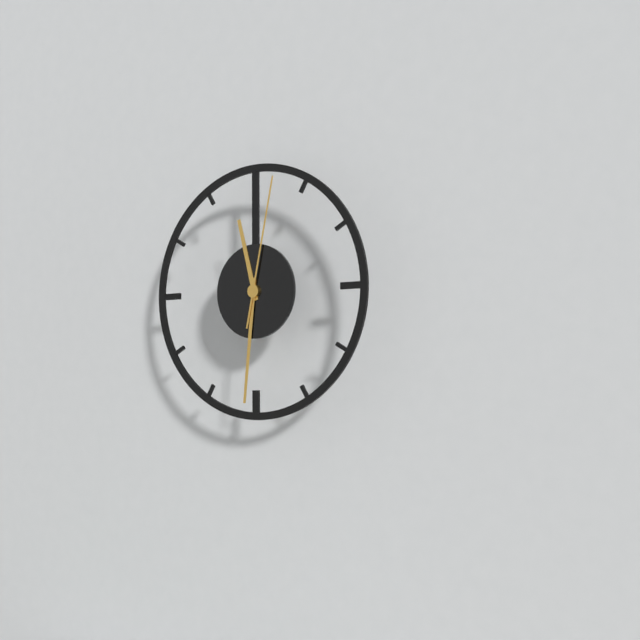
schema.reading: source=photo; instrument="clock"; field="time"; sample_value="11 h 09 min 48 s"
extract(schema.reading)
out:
11 h 31 min 02 s
